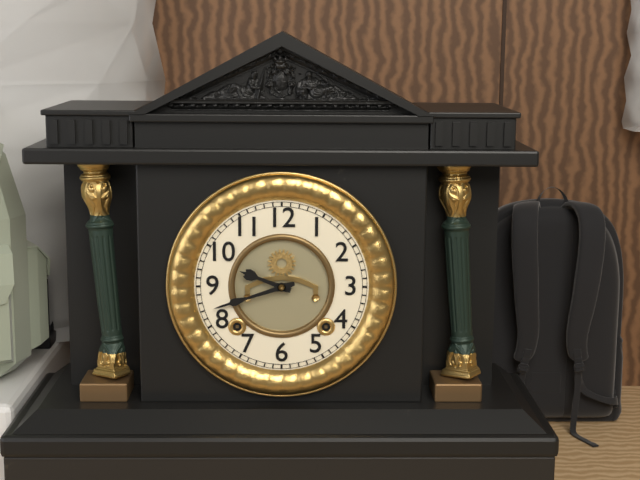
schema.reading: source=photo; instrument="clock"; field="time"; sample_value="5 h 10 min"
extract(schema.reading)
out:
9 h 42 min
